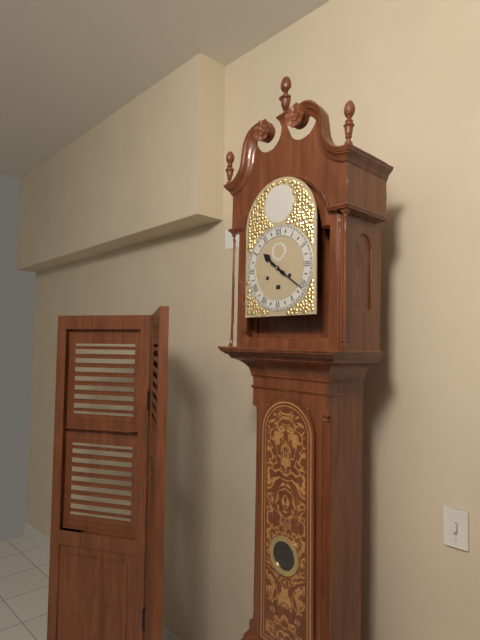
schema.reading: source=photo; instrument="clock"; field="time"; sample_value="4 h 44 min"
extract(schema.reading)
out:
10 h 21 min
